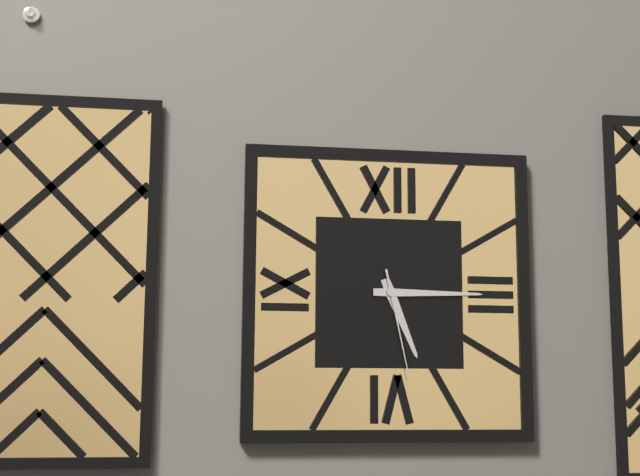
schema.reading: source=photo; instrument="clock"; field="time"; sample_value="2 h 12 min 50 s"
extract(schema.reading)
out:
5 h 15 min 28 s
